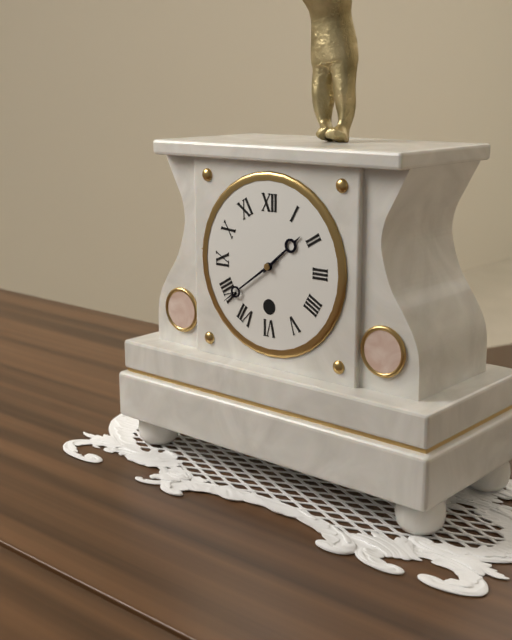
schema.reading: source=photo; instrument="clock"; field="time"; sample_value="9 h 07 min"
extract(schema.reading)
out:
1 h 39 min
